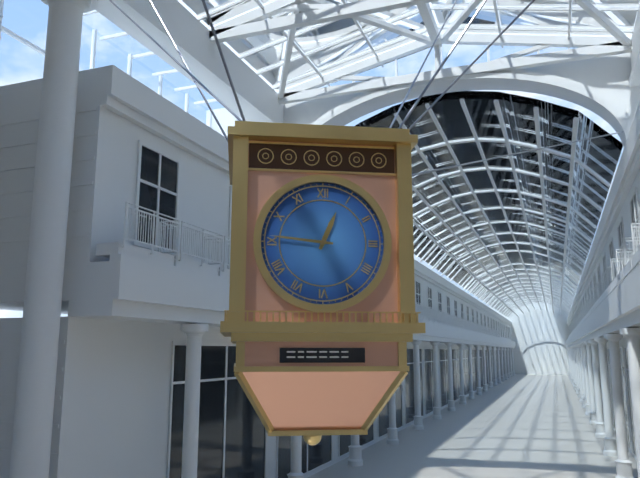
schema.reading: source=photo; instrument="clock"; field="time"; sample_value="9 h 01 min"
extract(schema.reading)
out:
12 h 46 min
